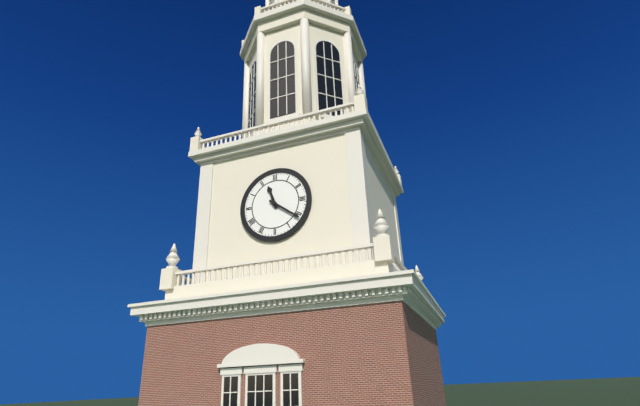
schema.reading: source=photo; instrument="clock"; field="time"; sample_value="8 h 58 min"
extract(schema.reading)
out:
11 h 21 min
